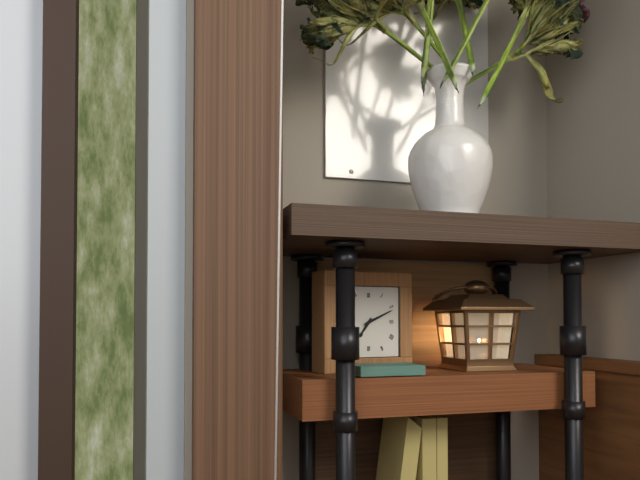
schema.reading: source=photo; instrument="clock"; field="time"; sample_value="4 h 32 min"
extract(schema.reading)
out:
7 h 11 min
